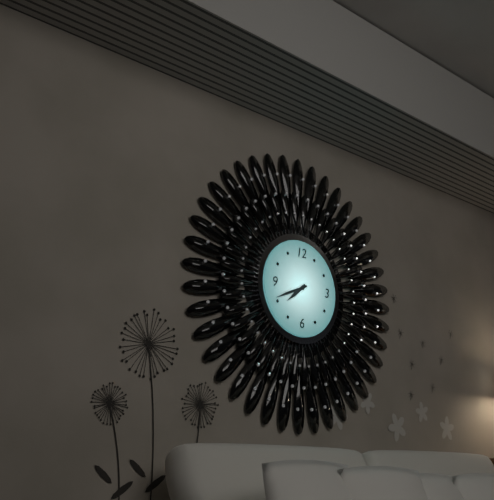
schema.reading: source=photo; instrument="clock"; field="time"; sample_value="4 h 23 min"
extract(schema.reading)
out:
7 h 41 min
